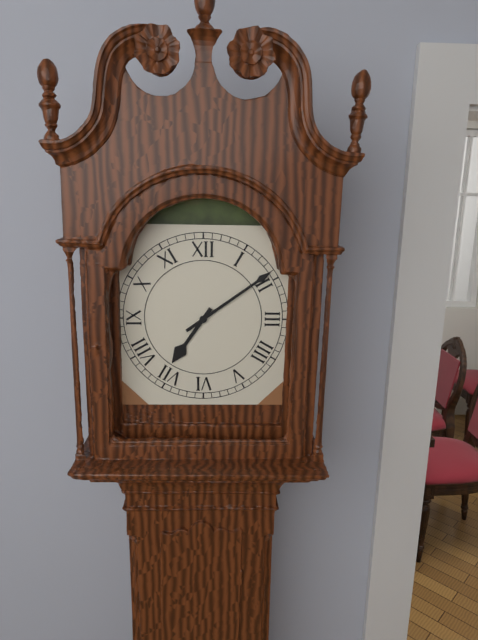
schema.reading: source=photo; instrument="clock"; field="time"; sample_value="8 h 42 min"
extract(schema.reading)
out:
7 h 09 min
